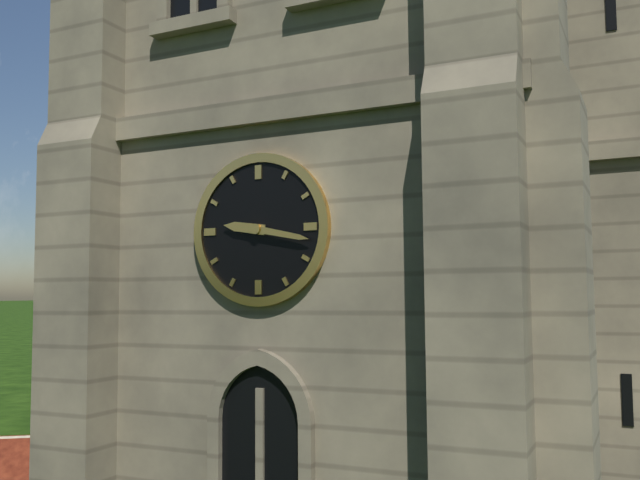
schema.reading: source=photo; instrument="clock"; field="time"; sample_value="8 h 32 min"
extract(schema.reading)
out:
9 h 17 min
